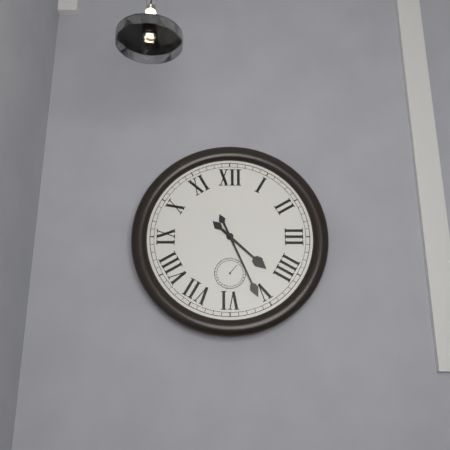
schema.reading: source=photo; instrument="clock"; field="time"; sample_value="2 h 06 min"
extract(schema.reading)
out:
4 h 26 min
